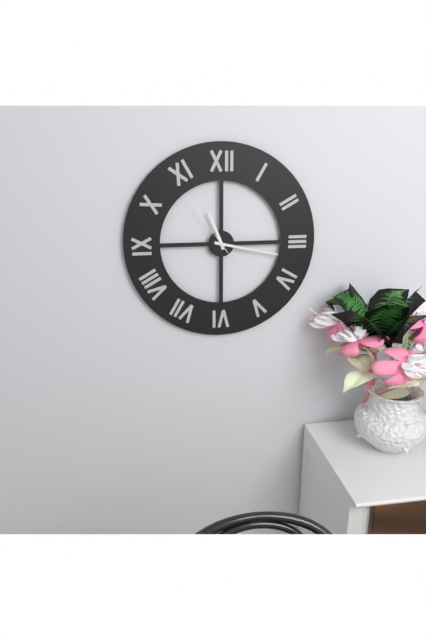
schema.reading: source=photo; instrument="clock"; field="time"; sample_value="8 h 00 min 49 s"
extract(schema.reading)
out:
11 h 17 min 54 s
